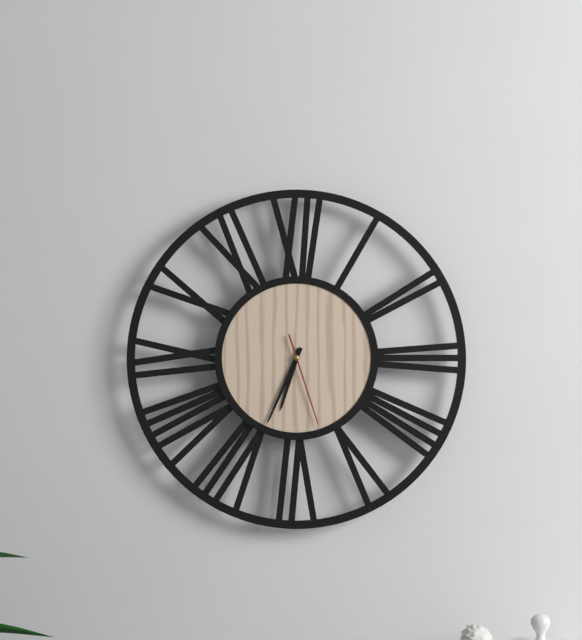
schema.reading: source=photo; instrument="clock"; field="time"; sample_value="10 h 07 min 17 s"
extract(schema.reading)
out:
6 h 34 min 27 s
